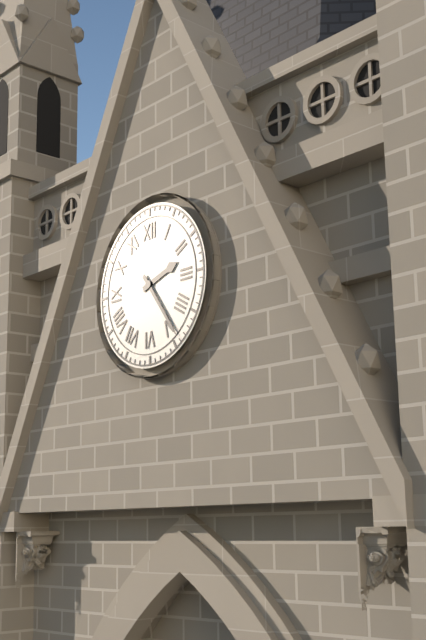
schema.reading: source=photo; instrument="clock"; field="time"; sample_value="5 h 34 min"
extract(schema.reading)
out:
2 h 24 min
